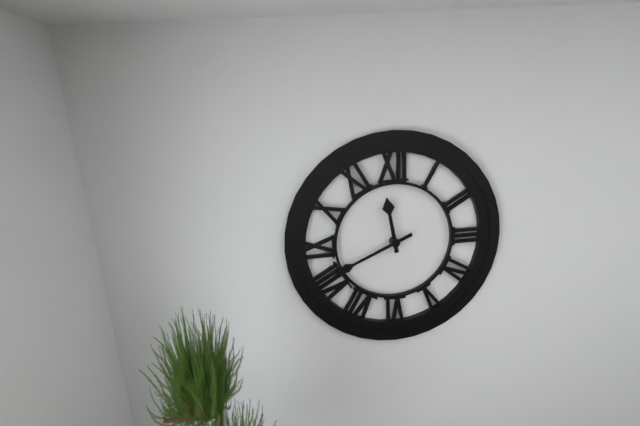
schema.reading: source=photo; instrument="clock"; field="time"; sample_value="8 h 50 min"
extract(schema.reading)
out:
11 h 41 min
